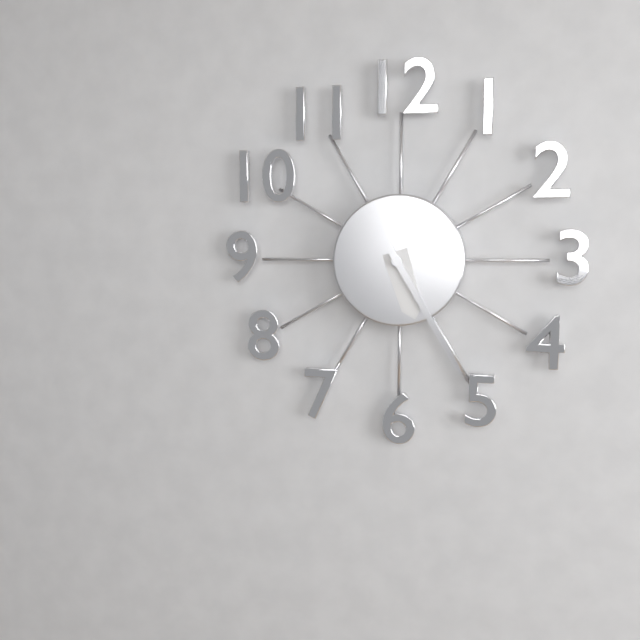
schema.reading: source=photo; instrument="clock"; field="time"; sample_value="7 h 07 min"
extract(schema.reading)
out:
5 h 25 min
